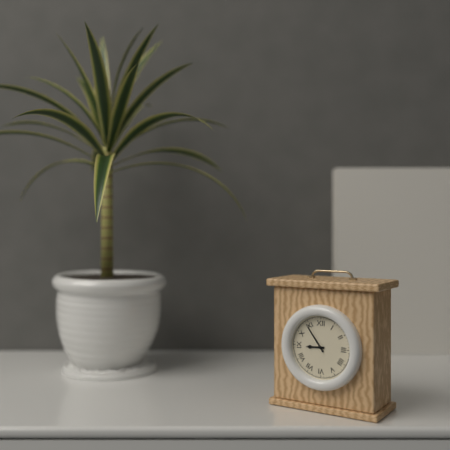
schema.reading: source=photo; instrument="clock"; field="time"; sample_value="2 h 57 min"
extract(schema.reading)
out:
8 h 54 min
